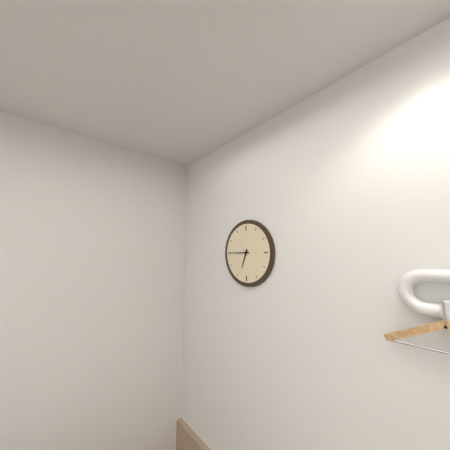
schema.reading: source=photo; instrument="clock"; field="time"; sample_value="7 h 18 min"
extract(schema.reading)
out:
6 h 45 min
